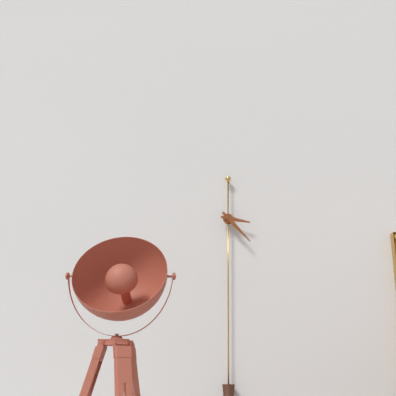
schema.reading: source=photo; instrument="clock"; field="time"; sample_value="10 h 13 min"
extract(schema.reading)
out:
3 h 23 min
